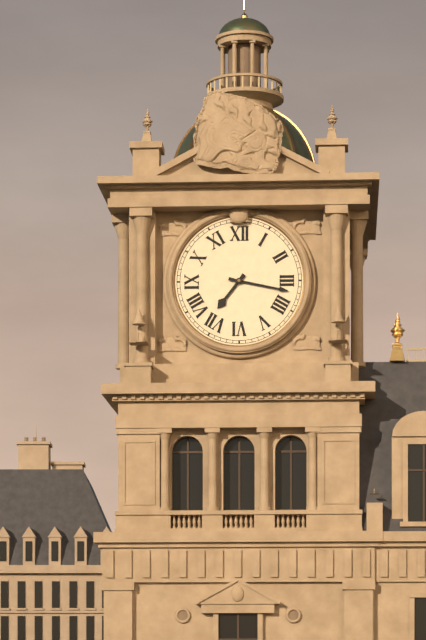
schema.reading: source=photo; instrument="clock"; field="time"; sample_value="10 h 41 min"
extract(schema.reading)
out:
7 h 17 min
